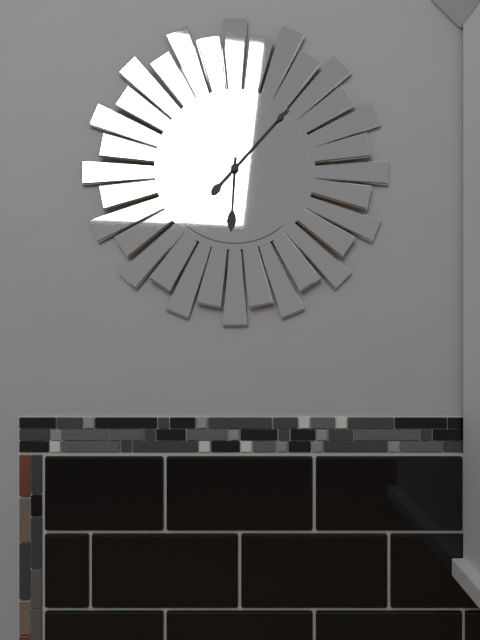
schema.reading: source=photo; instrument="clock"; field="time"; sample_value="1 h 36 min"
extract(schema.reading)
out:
6 h 07 min
